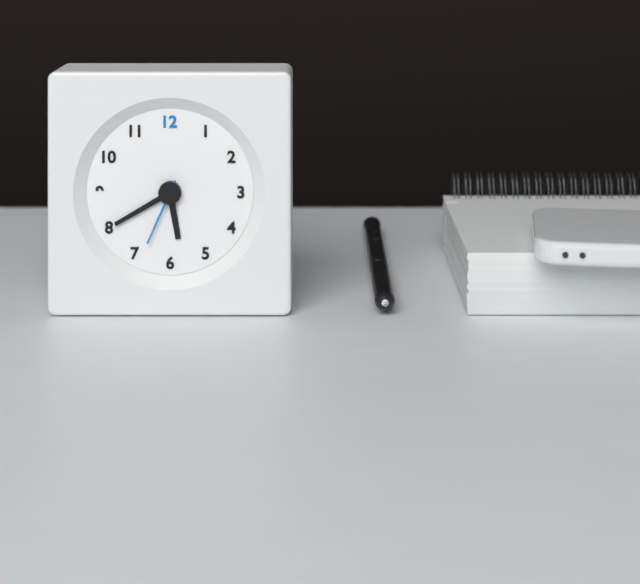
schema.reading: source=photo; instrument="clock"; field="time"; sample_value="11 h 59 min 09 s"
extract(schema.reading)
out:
5 h 40 min 34 s
